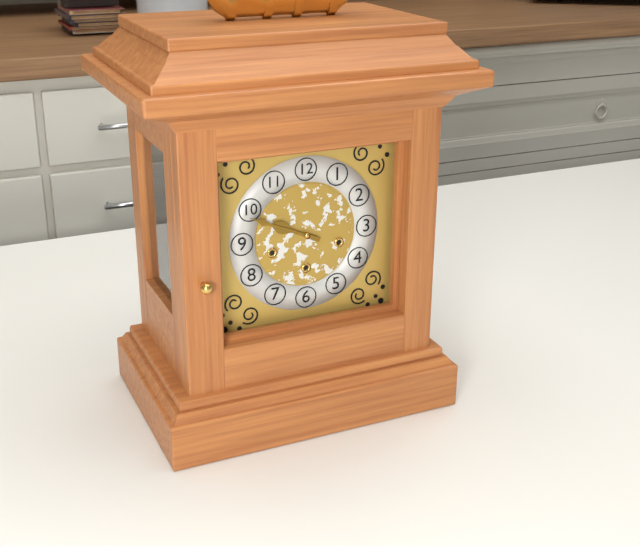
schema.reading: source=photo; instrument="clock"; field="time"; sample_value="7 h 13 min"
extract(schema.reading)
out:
9 h 49 min
